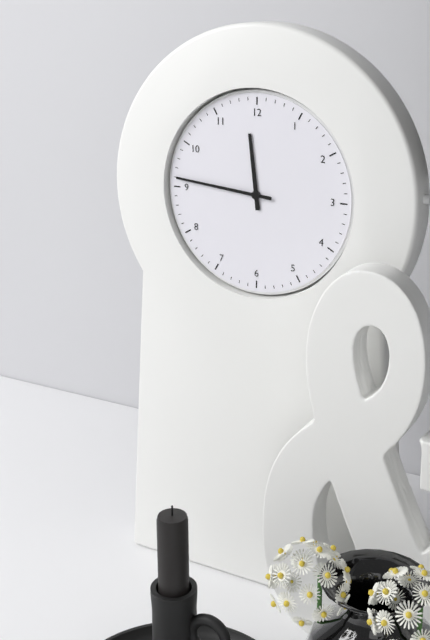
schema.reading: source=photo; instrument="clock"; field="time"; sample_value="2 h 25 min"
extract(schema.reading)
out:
11 h 46 min
